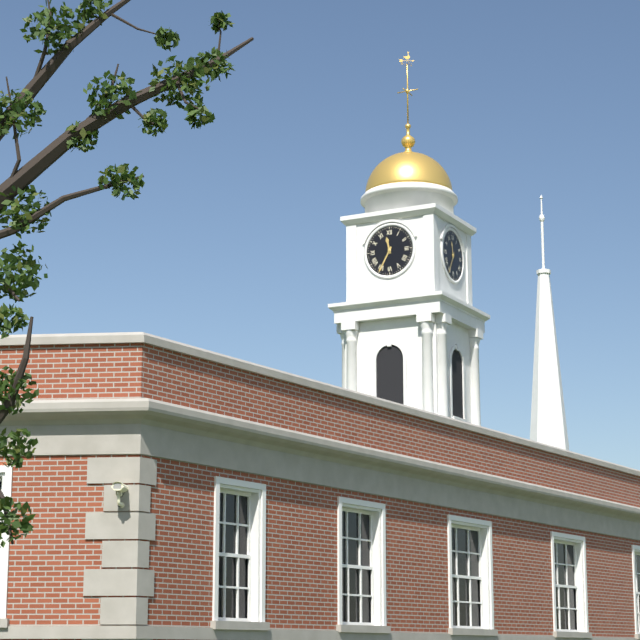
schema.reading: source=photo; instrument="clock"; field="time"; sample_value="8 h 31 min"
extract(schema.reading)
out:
11 h 35 min
